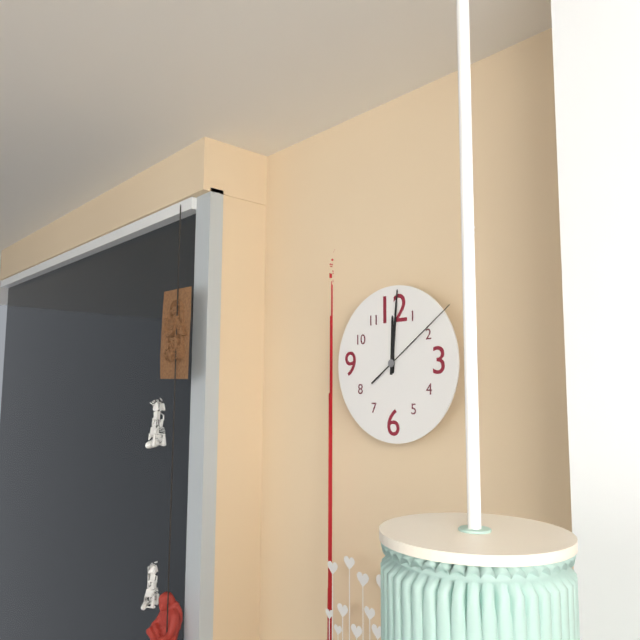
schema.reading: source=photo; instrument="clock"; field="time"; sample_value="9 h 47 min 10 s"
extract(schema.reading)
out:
12 h 01 min 09 s
